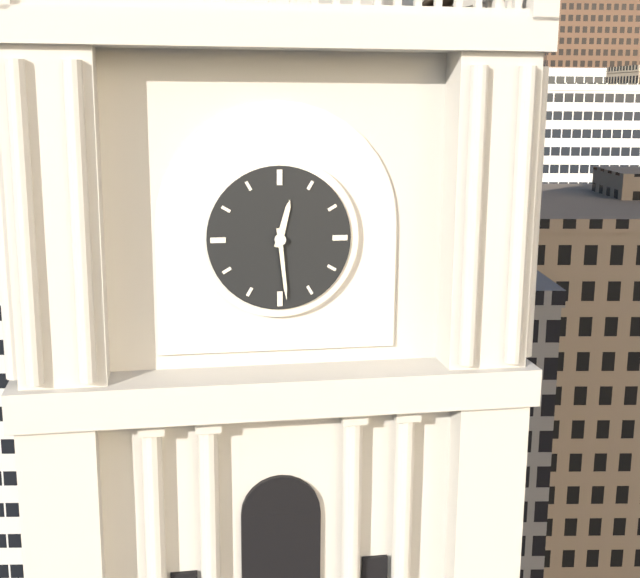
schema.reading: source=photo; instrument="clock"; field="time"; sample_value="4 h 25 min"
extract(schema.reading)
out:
12 h 29 min
